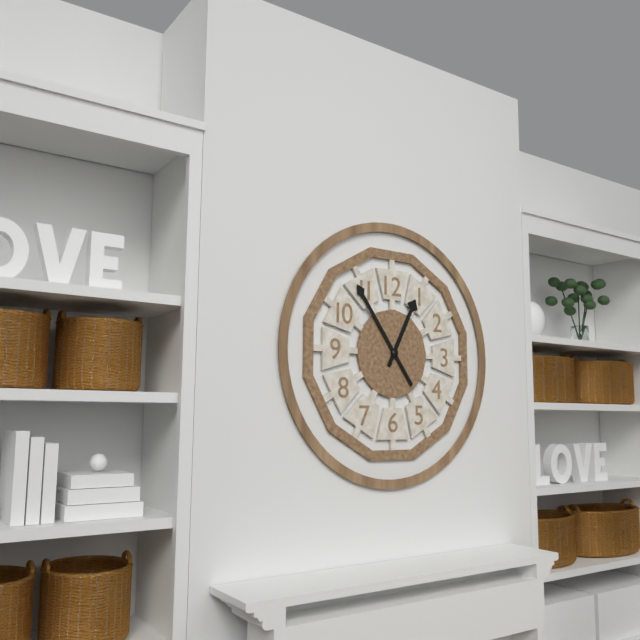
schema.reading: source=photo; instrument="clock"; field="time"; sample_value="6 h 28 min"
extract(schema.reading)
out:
12 h 54 min
